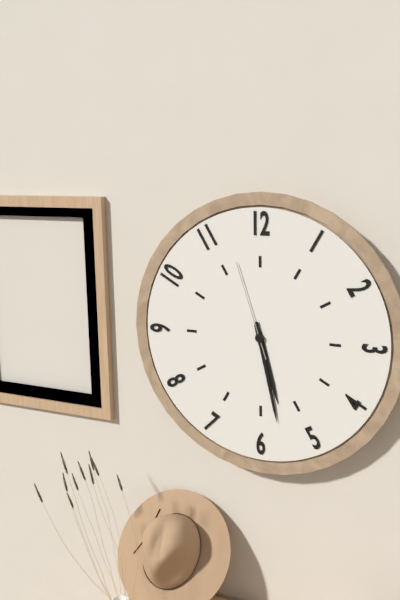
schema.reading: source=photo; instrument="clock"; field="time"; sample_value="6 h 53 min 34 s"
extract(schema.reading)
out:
5 h 28 min 57 s
